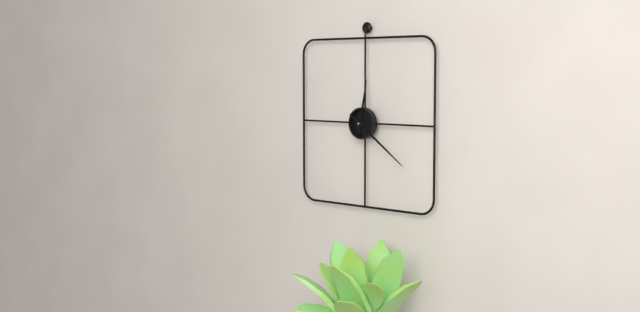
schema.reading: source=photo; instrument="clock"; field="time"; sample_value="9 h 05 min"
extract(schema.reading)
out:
12 h 21 min
